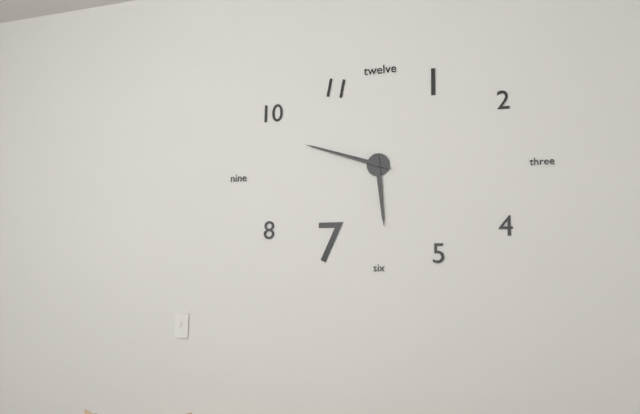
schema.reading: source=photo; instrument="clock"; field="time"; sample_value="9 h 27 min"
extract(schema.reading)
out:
5 h 48 min
